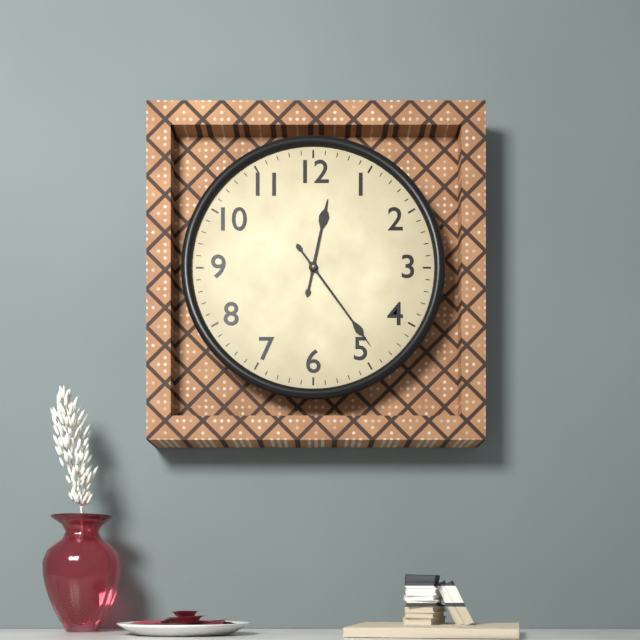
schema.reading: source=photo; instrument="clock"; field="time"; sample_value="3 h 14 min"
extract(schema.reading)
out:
12 h 24 min
